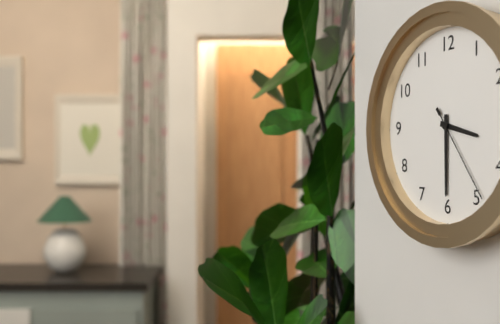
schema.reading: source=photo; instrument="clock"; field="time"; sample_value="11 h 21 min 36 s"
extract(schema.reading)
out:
3 h 30 min 24 s
